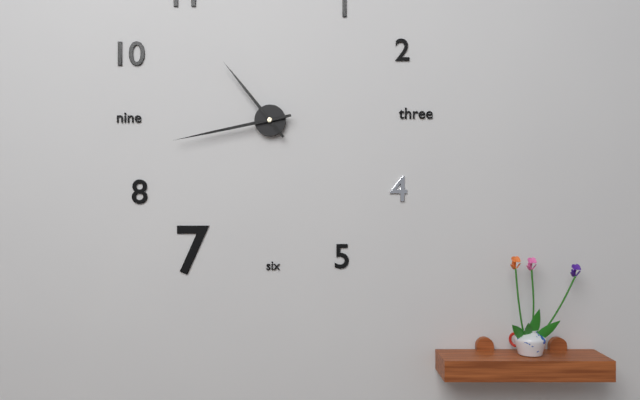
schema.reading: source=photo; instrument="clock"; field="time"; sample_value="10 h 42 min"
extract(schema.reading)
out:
10 h 43 min
